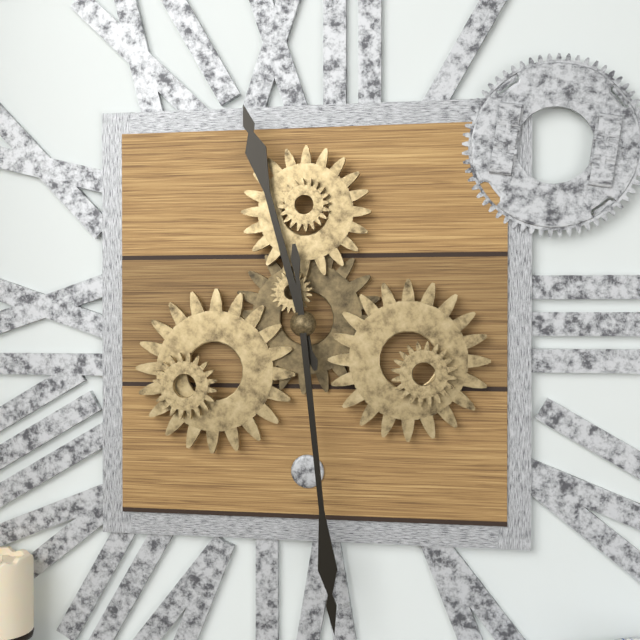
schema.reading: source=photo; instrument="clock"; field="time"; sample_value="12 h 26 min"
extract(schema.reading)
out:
11 h 29 min
